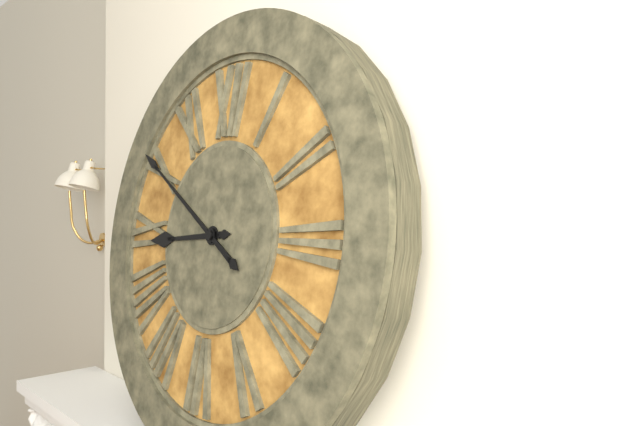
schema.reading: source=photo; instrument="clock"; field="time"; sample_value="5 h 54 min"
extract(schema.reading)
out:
8 h 50 min
